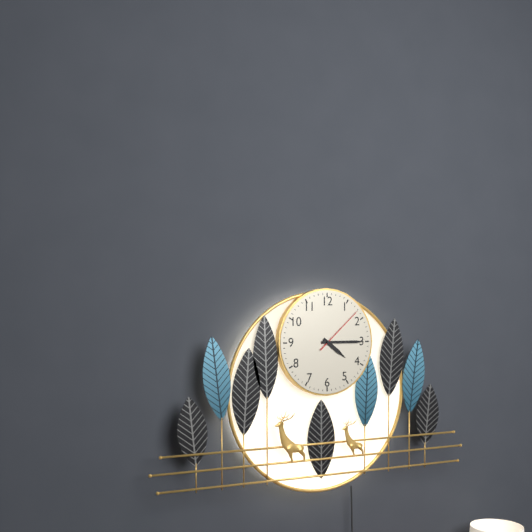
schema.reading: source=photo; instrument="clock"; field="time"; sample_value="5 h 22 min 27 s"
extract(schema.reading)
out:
4 h 15 min 08 s
